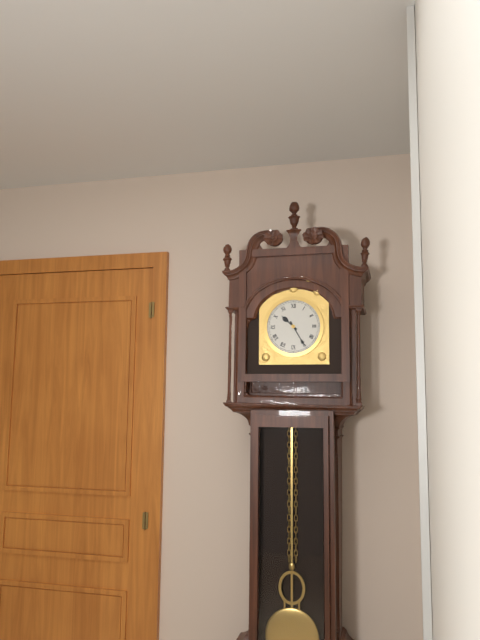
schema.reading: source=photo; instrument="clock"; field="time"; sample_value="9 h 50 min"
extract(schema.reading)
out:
10 h 25 min
